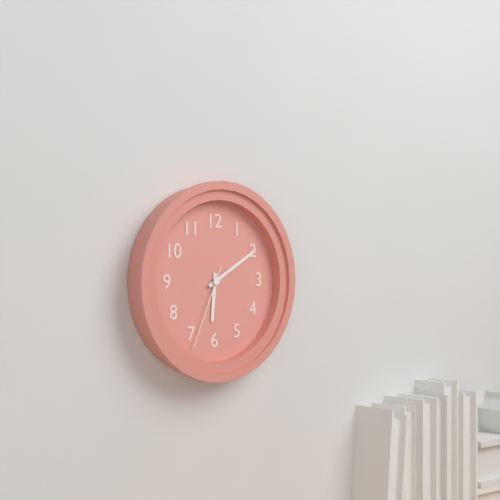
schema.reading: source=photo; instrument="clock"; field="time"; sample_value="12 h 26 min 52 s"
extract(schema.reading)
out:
6 h 10 min 34 s
